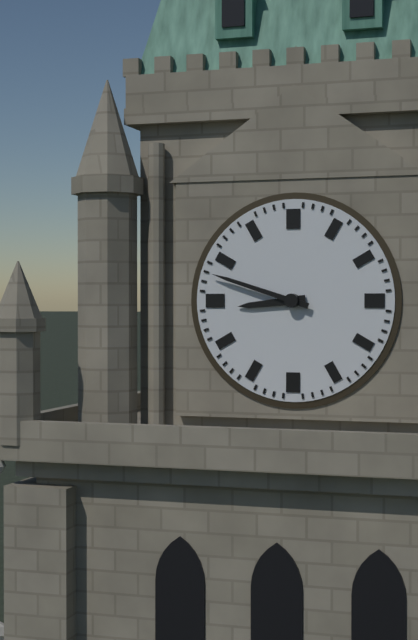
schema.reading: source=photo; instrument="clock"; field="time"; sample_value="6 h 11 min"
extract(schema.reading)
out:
8 h 48 min
